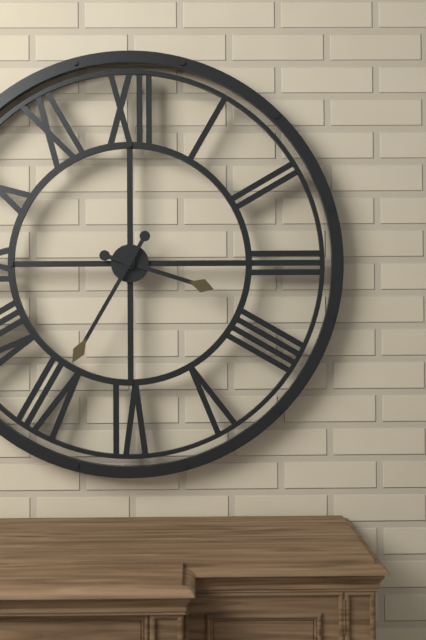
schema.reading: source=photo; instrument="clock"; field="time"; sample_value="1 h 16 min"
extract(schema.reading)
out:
3 h 35 min
